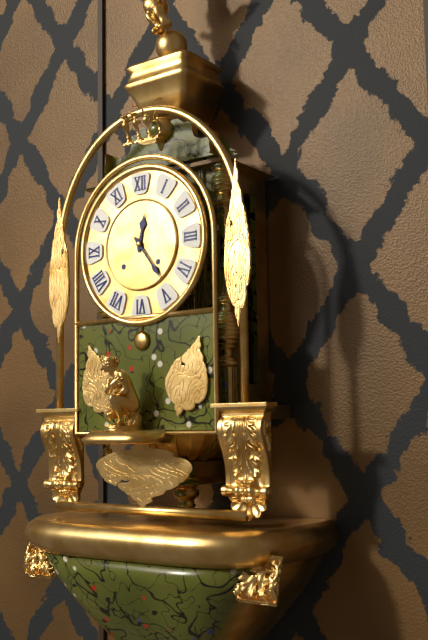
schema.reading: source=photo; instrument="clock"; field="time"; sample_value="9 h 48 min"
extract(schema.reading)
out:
12 h 24 min
